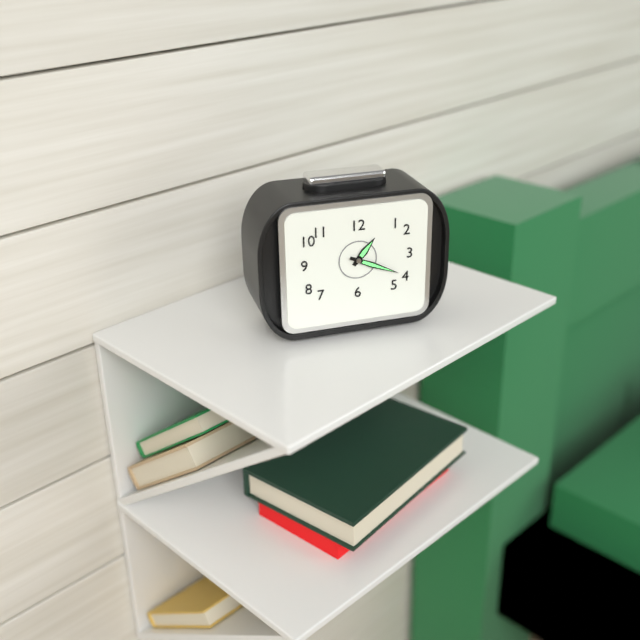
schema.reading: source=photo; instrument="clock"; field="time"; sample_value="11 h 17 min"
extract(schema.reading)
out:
1 h 19 min
